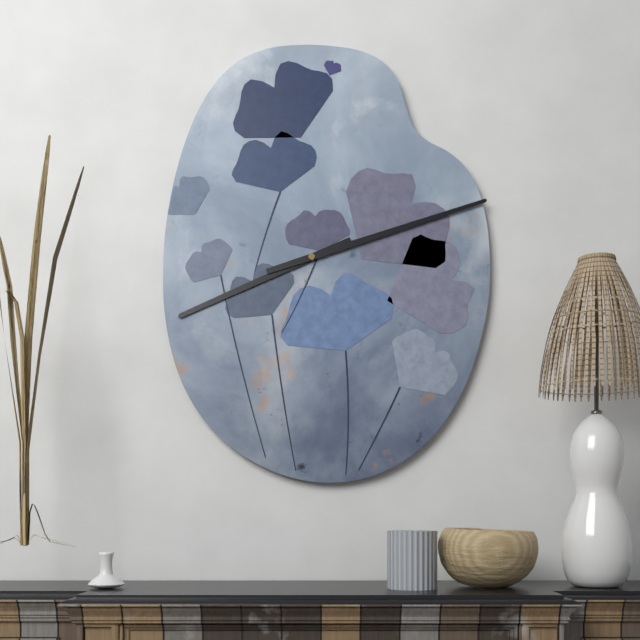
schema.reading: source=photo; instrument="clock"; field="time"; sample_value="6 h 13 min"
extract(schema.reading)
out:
8 h 12 min
